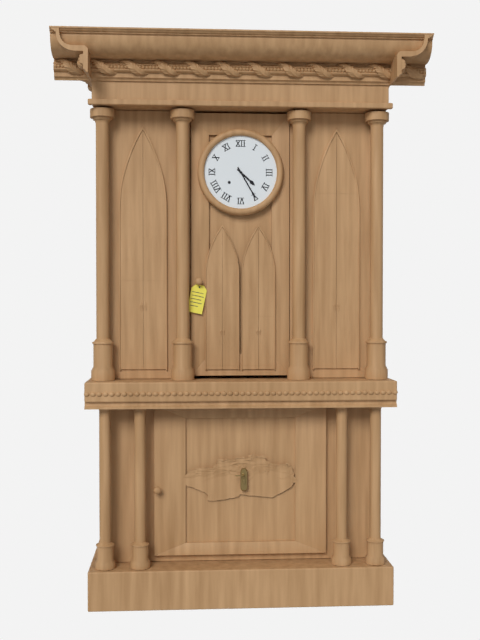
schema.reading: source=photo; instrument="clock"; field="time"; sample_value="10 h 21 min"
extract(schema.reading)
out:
4 h 25 min
